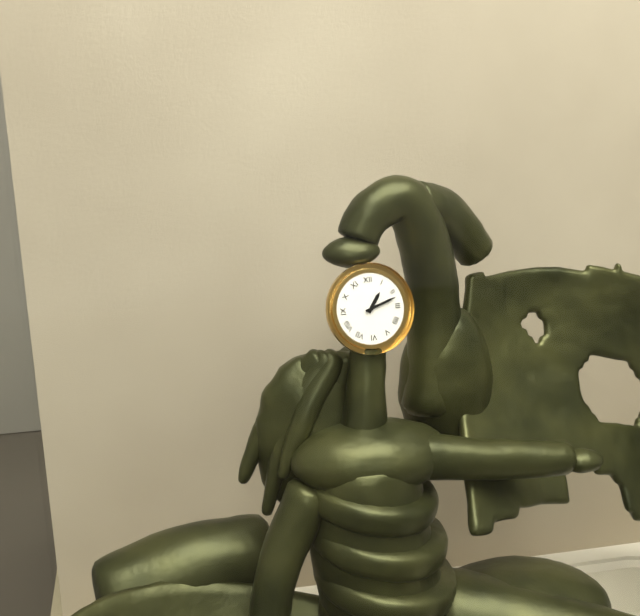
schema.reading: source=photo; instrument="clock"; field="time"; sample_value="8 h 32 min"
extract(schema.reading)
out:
1 h 12 min
